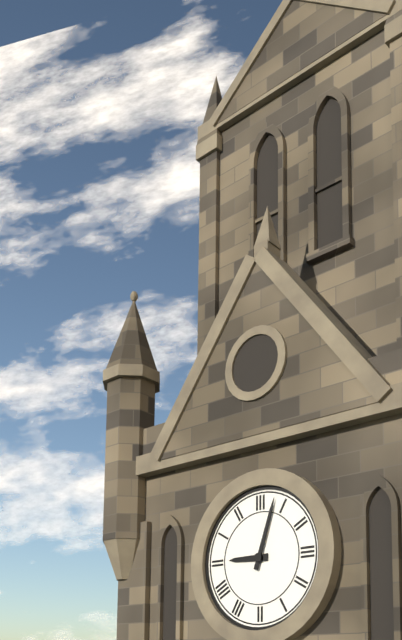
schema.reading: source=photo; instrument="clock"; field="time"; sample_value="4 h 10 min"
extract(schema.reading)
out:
9 h 03 min
